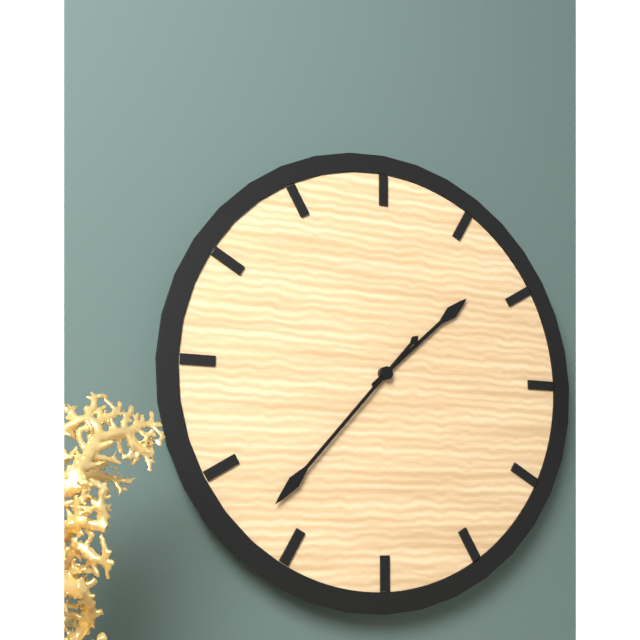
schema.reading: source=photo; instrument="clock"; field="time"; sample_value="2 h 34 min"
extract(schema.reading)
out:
1 h 37 min
